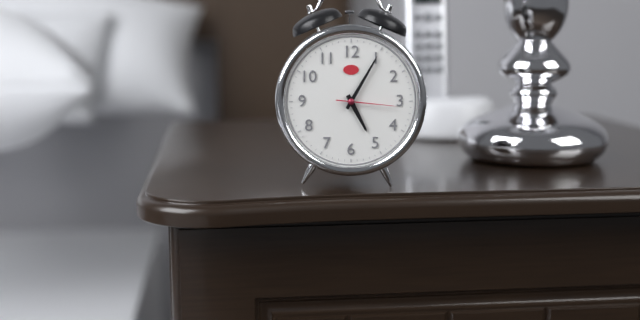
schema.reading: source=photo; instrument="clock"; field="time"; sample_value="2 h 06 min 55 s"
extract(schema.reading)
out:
5 h 05 min 16 s
